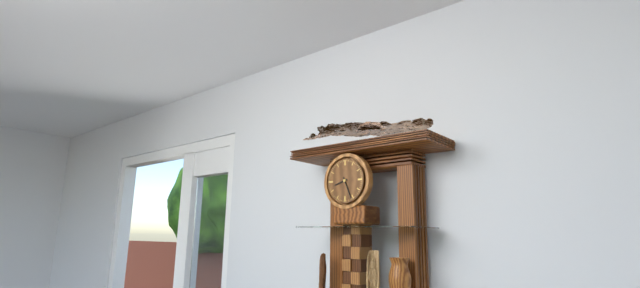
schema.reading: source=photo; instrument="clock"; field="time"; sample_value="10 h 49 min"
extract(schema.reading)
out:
8 h 26 min
